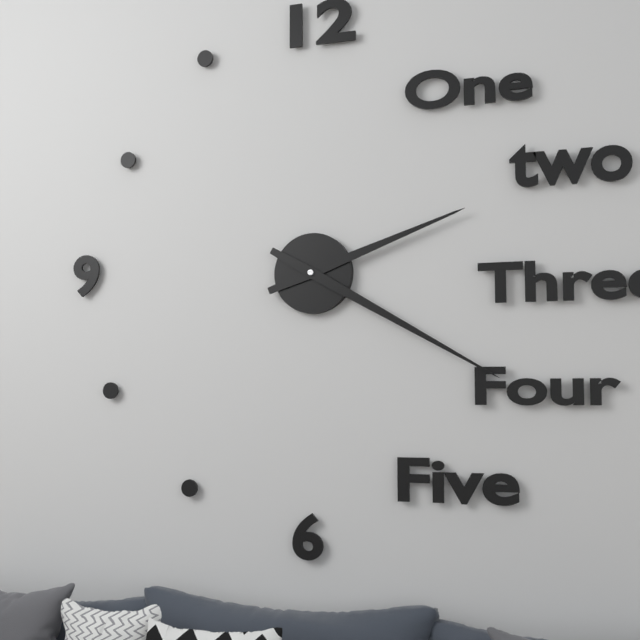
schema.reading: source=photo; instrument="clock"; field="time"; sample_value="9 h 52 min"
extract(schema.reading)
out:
2 h 20 min
